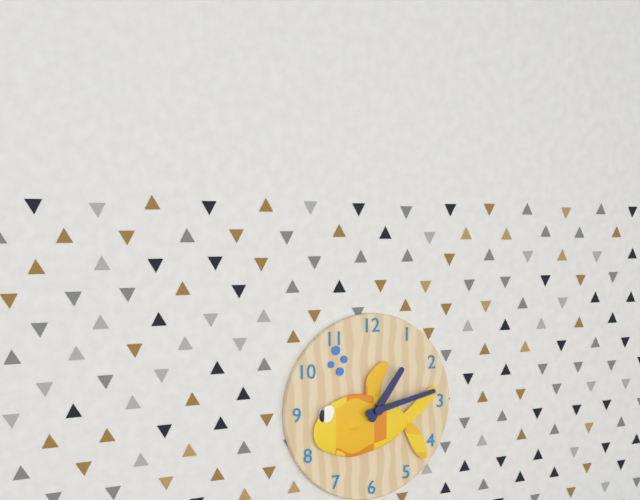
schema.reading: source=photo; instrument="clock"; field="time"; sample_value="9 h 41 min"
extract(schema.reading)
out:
1 h 13 min
